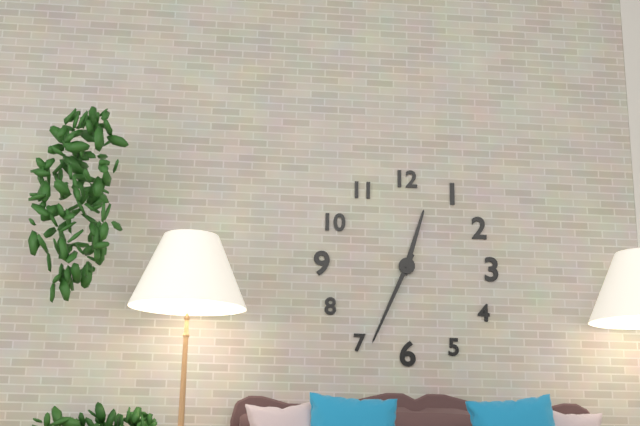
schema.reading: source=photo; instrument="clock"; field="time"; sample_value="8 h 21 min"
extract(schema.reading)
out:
12 h 34 min
